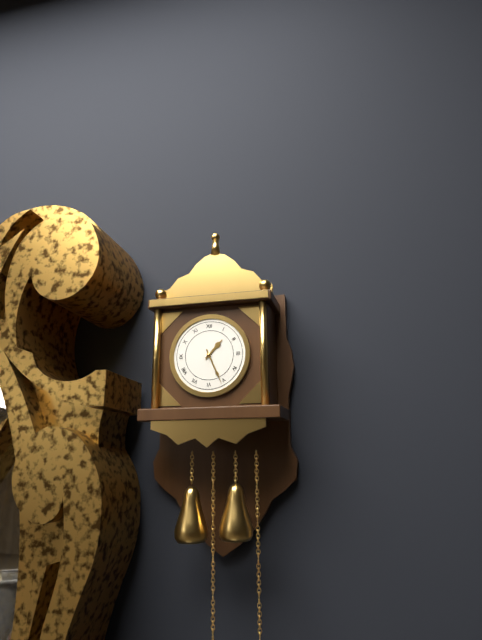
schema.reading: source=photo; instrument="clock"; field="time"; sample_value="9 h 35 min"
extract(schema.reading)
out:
1 h 26 min
